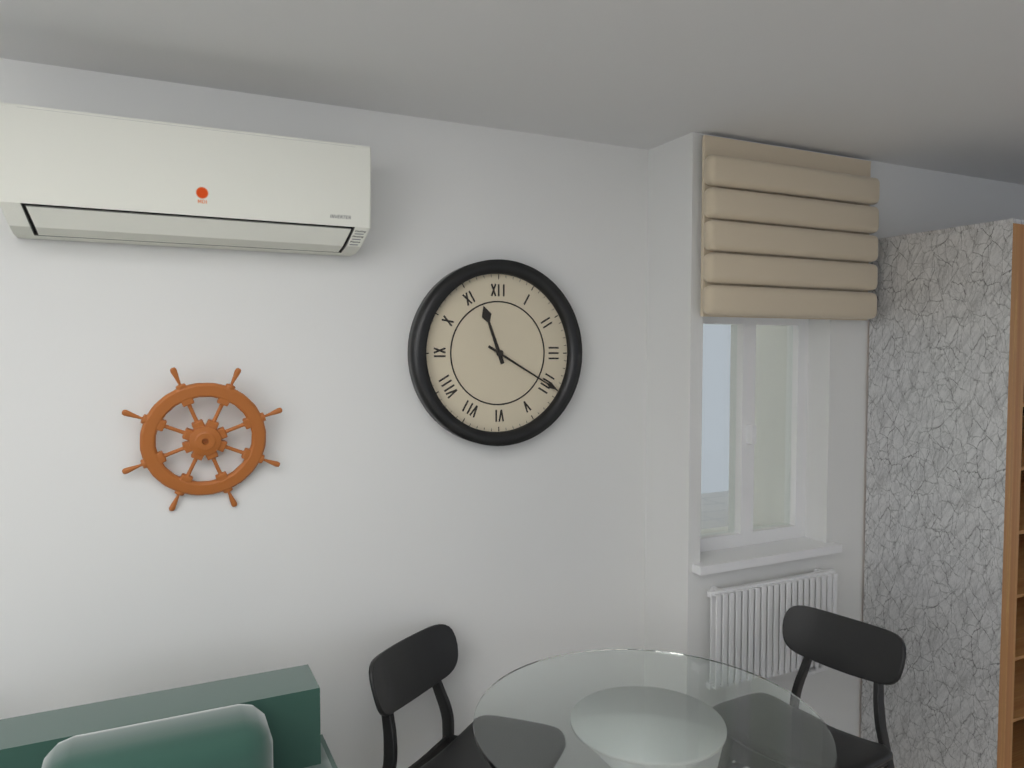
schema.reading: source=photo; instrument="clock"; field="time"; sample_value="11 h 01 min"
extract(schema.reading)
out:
11 h 20 min
